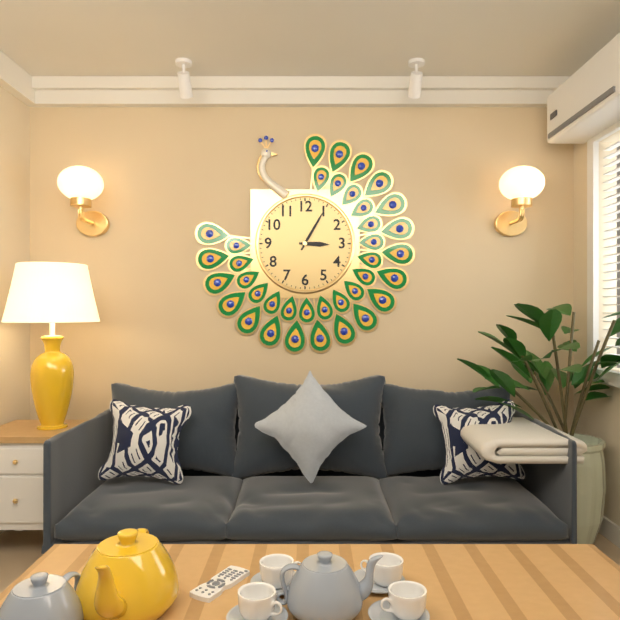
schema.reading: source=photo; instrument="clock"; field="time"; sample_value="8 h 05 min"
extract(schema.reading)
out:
3 h 05 min
